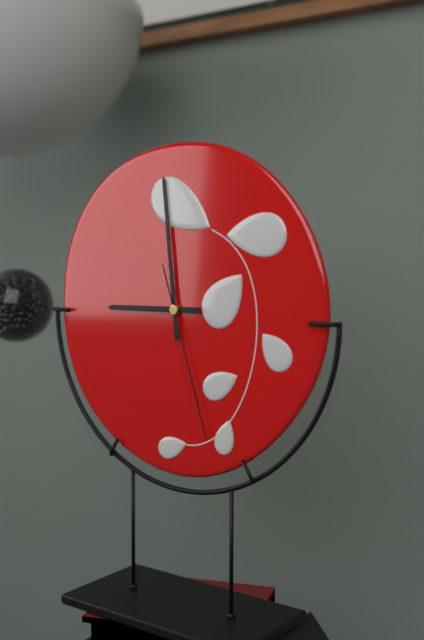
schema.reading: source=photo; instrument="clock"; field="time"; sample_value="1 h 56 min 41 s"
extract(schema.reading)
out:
8 h 59 min 27 s
